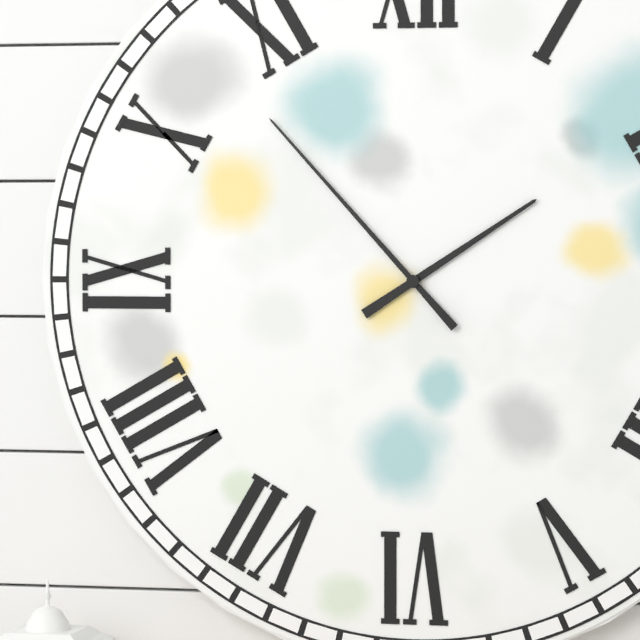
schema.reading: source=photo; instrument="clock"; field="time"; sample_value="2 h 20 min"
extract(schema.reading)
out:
1 h 53 min
